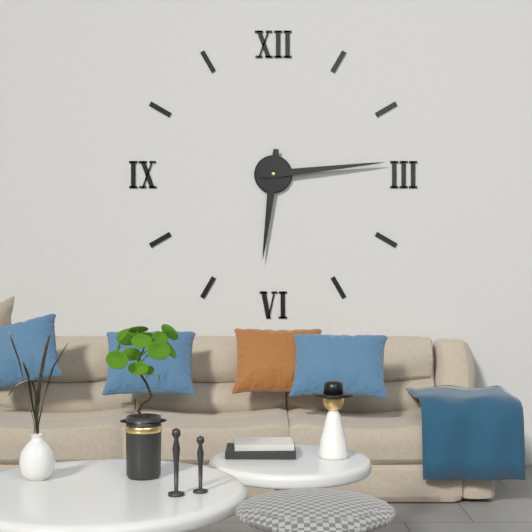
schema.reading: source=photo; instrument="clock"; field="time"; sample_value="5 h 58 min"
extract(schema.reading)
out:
6 h 14 min
